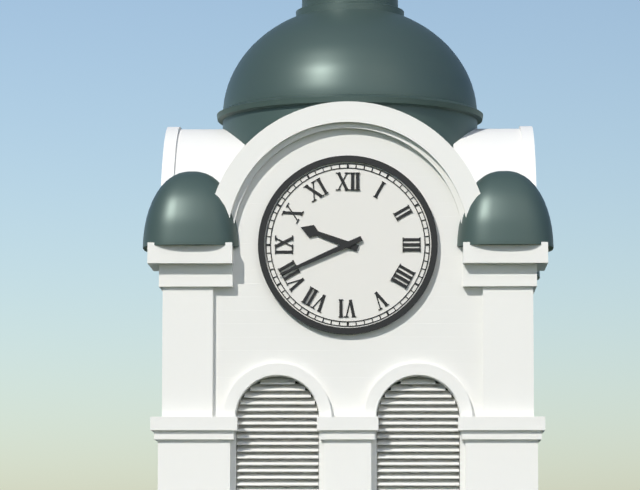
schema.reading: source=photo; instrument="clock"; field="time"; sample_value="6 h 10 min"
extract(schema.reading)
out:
9 h 41 min
